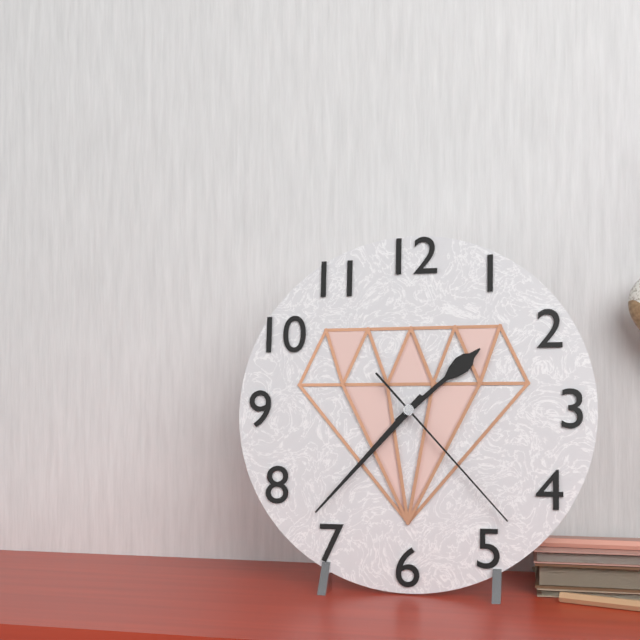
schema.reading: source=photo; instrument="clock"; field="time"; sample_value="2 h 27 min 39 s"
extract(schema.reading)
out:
1 h 37 min 23 s
